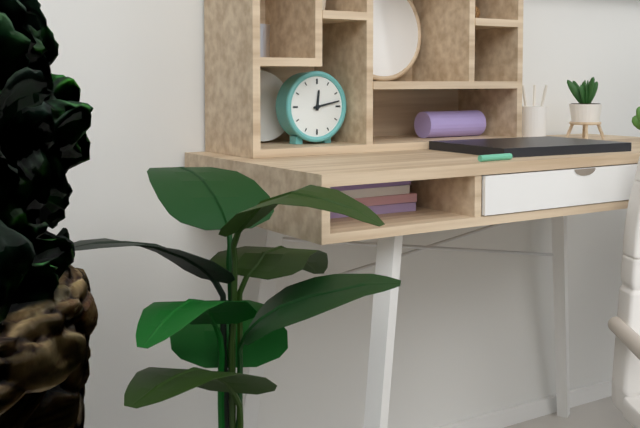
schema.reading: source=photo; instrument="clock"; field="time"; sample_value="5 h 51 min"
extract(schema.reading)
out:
12 h 13 min
